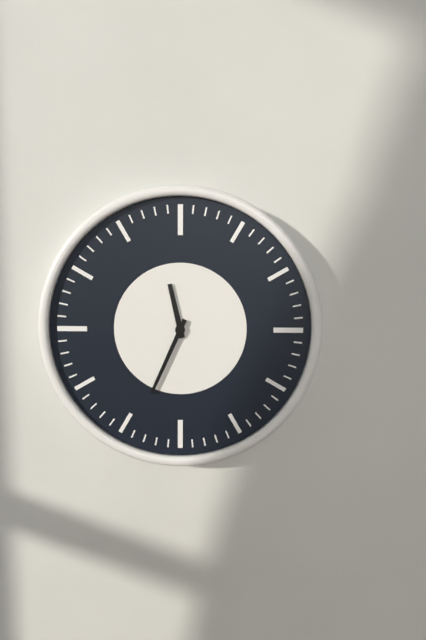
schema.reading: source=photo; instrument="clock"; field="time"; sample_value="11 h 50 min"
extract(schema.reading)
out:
11 h 34 min
